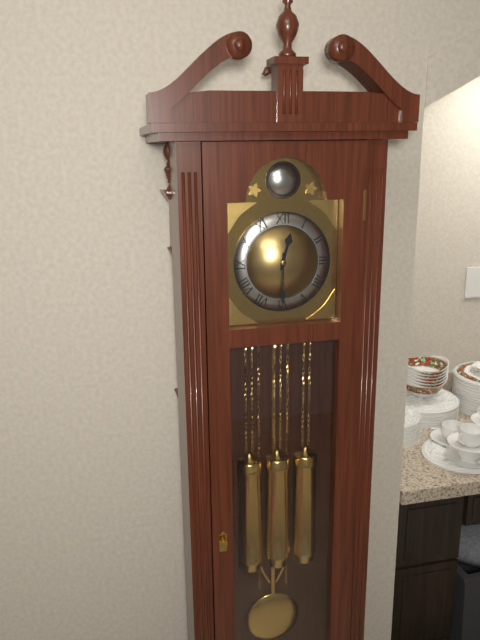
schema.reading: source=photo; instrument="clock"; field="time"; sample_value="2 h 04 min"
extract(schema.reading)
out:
12 h 30 min
